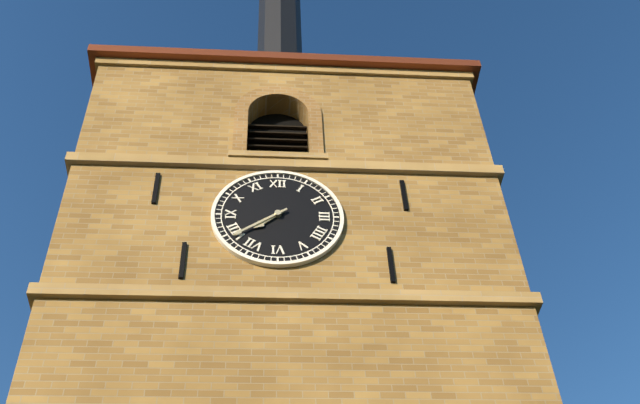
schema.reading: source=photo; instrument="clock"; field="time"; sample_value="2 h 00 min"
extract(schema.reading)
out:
7 h 39 min
